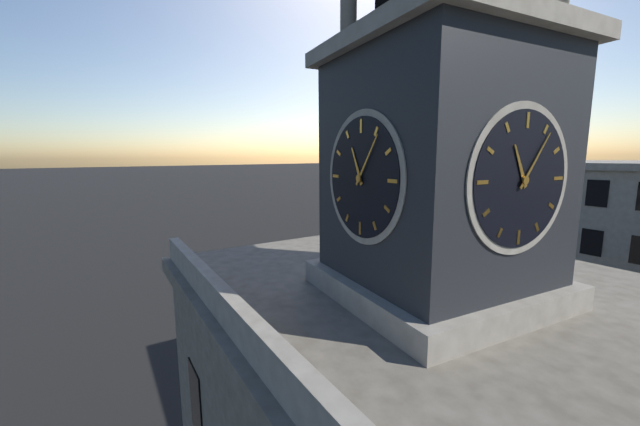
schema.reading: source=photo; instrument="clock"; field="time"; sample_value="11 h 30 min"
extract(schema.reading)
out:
11 h 06 min
